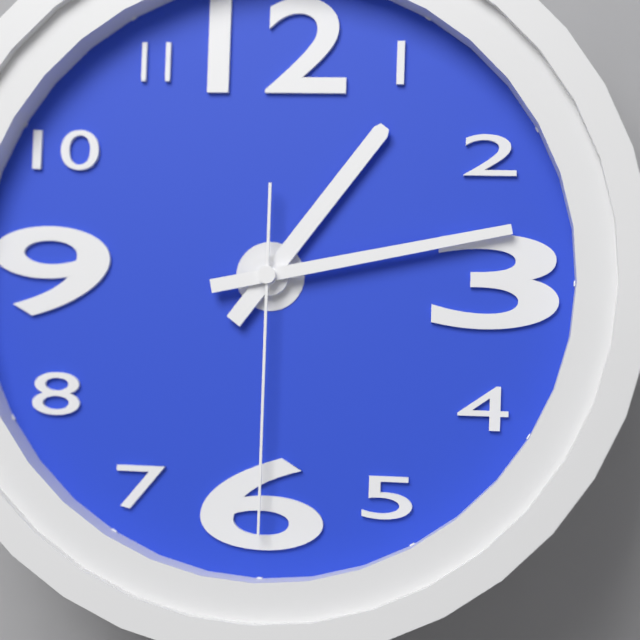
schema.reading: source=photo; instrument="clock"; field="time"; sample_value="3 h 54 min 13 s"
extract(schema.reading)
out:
1 h 13 min 30 s
